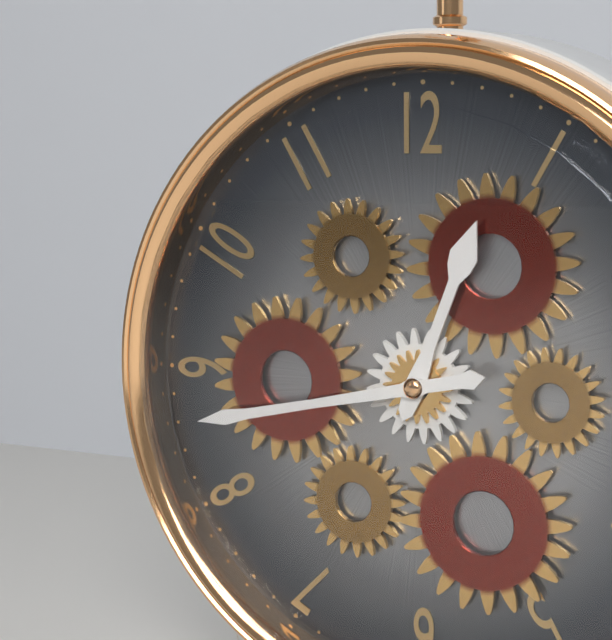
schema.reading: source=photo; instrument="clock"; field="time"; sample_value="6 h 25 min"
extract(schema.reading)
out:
12 h 43 min
